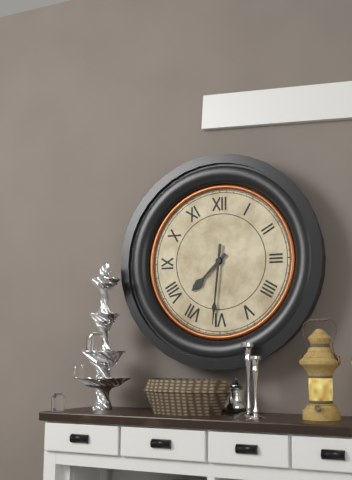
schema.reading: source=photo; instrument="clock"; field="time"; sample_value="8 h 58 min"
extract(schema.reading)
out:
7 h 31 min
